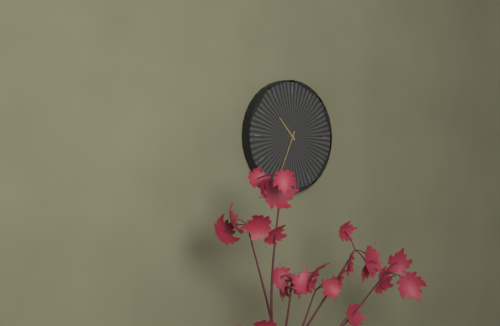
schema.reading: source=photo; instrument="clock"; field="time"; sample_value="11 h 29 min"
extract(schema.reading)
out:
10 h 34 min
